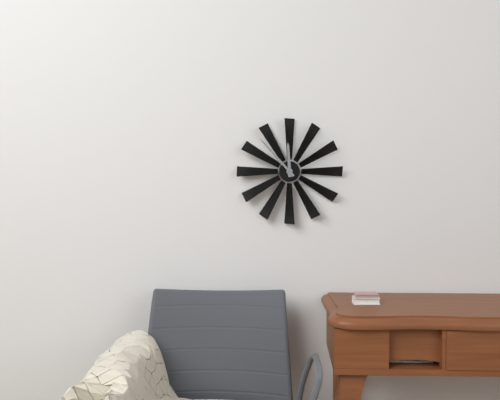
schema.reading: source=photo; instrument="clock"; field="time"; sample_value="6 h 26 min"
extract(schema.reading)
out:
11 h 53 min
